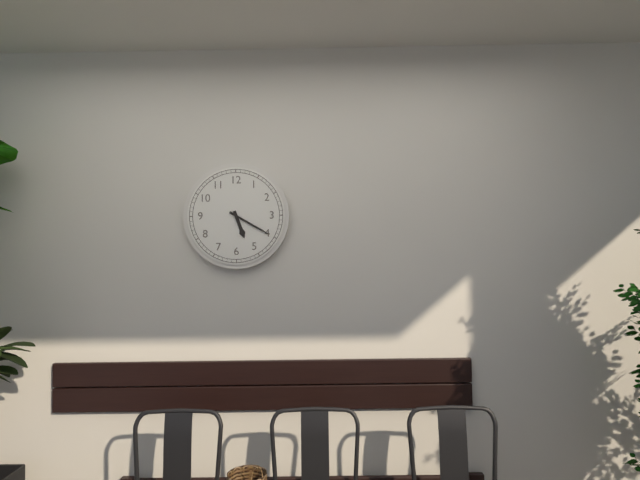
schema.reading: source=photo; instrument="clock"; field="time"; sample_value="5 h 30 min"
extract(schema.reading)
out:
5 h 20 min
